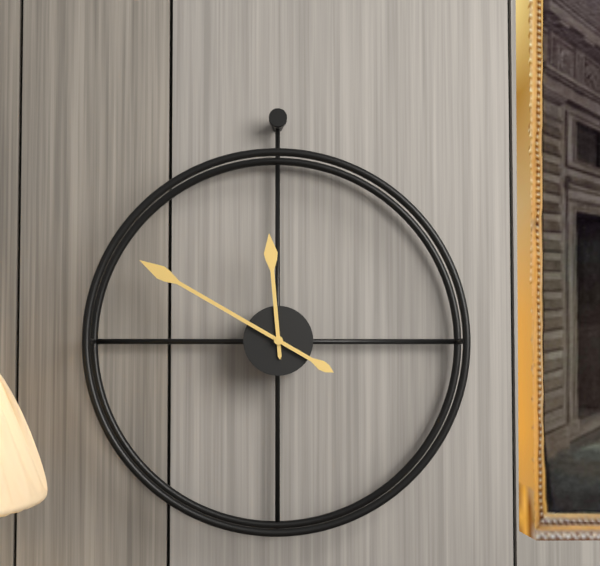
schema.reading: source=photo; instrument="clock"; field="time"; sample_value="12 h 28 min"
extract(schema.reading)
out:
11 h 50 min
